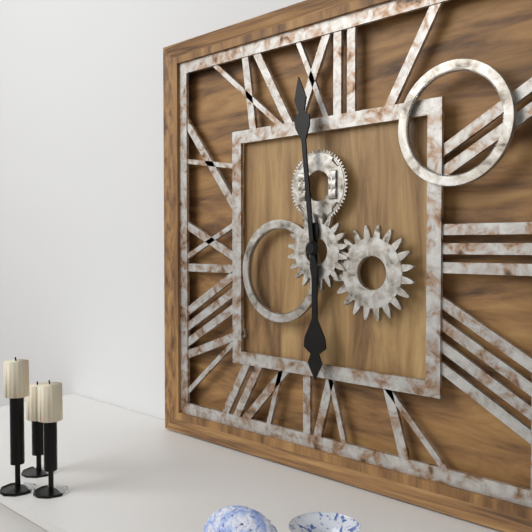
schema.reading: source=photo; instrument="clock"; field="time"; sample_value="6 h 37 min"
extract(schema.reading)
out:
5 h 59 min
